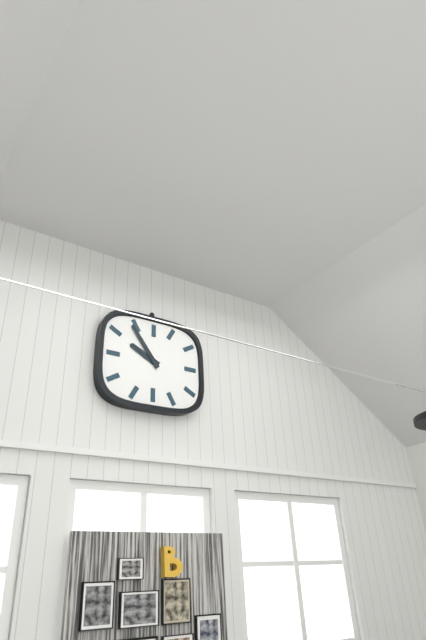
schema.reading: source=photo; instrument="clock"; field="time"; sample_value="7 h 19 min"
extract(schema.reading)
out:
9 h 54 min
